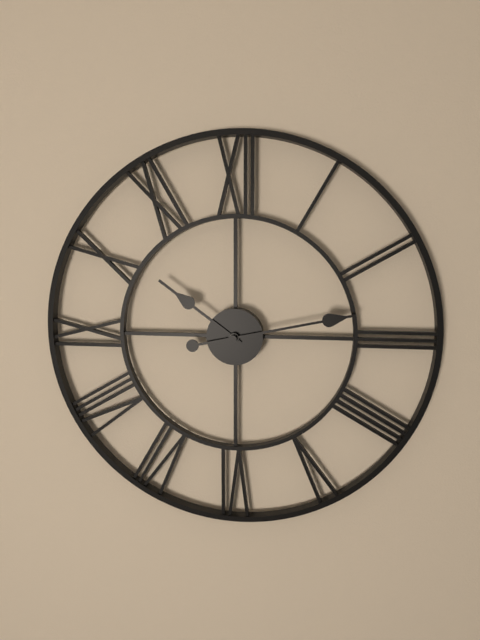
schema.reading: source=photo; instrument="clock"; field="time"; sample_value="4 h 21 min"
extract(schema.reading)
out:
10 h 13 min
